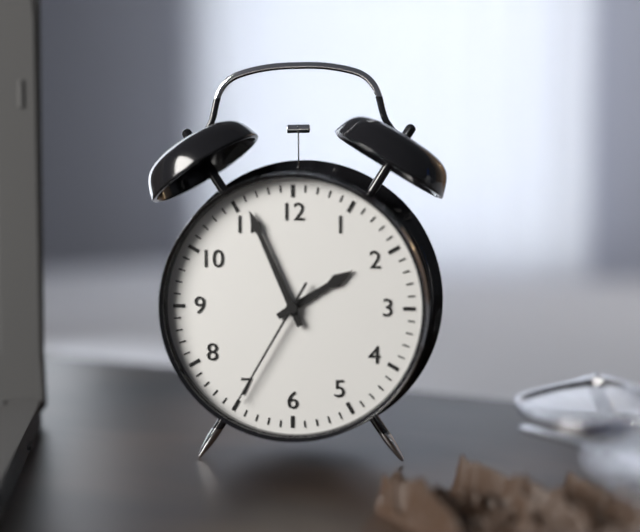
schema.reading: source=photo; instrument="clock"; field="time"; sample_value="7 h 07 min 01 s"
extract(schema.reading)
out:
1 h 56 min 35 s
